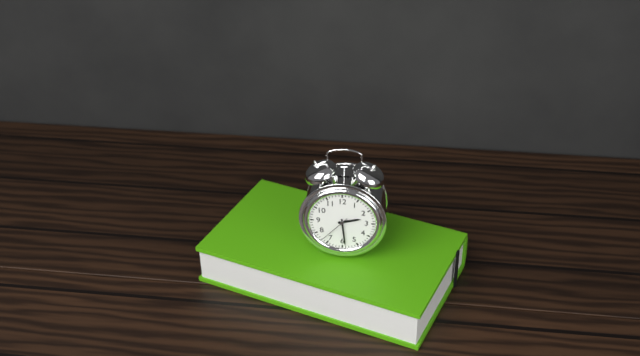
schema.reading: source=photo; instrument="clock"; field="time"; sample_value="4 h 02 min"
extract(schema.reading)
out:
2 h 29 min
